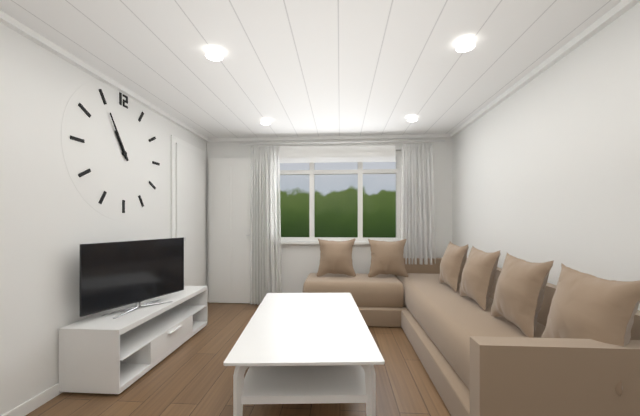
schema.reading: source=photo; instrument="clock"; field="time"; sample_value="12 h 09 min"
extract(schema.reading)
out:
10 h 55 min
